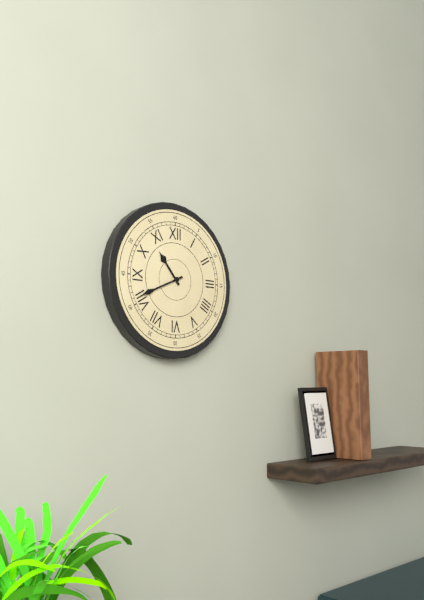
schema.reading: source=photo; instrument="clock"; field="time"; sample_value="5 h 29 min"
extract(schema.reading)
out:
10 h 41 min
